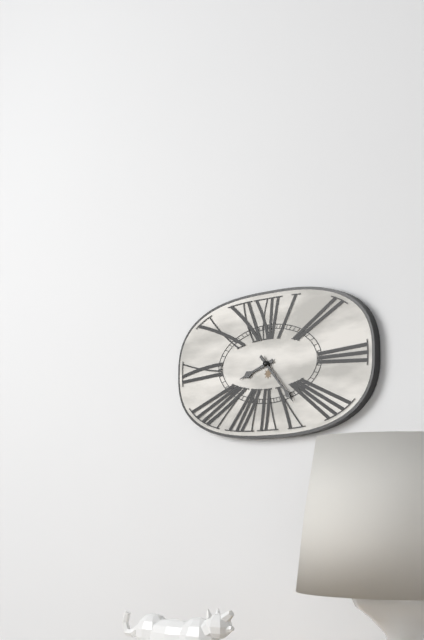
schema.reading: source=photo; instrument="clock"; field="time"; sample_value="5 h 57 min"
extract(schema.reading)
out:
8 h 23 min
